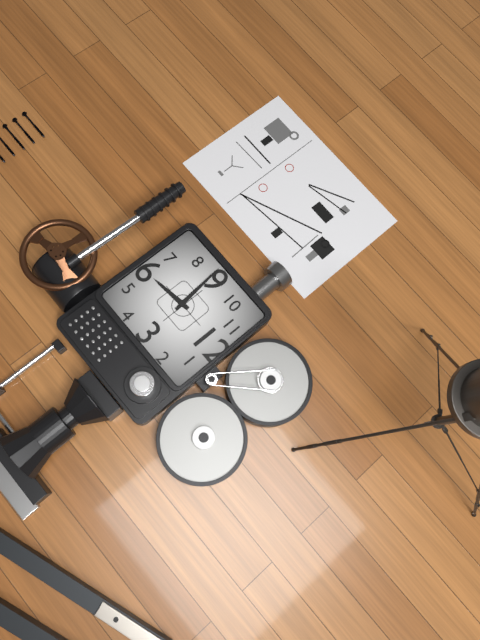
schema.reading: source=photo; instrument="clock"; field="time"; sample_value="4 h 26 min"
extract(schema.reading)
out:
5 h 44 min
